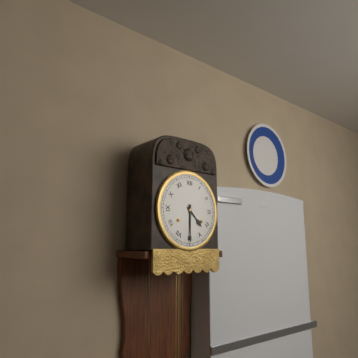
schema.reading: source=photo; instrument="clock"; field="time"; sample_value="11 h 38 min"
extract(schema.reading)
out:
4 h 30 min
